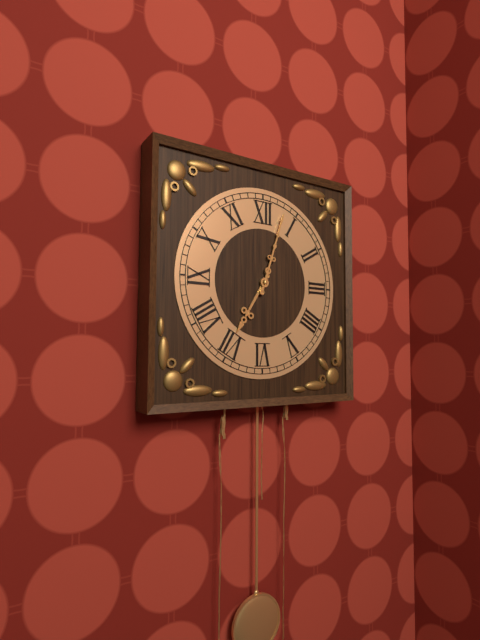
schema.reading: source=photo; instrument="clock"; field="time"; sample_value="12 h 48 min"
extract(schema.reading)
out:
7 h 03 min
